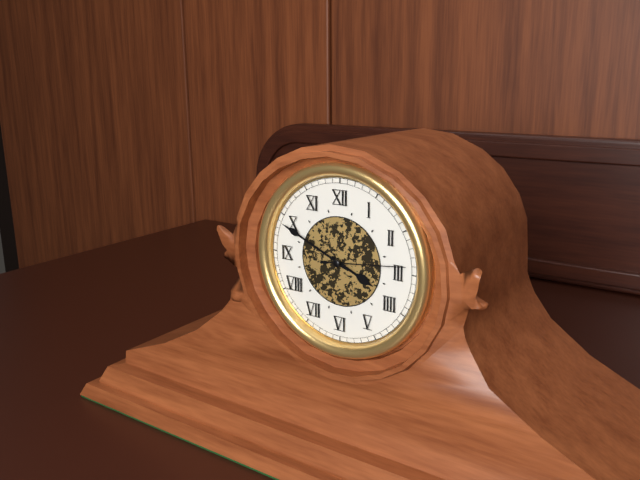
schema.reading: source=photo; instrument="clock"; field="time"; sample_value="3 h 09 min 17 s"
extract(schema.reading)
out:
3 h 49 min 14 s
